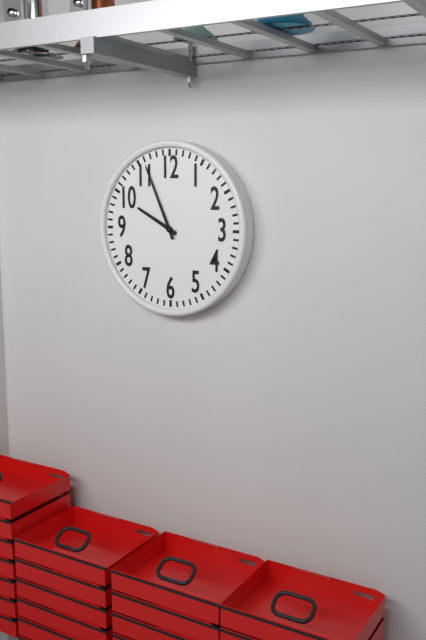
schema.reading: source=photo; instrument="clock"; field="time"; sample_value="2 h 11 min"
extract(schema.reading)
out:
9 h 56 min
